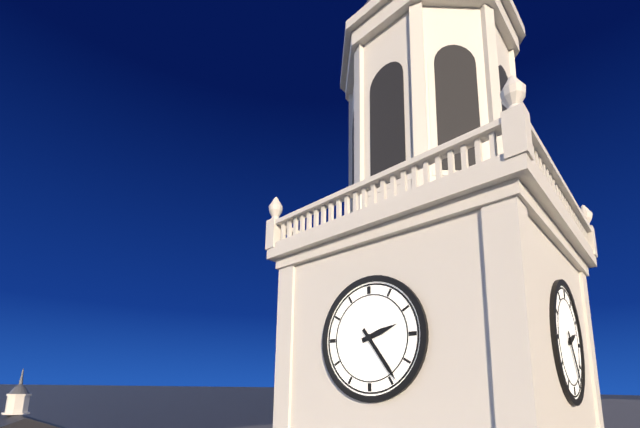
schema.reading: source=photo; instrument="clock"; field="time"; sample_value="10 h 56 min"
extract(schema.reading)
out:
2 h 24 min
